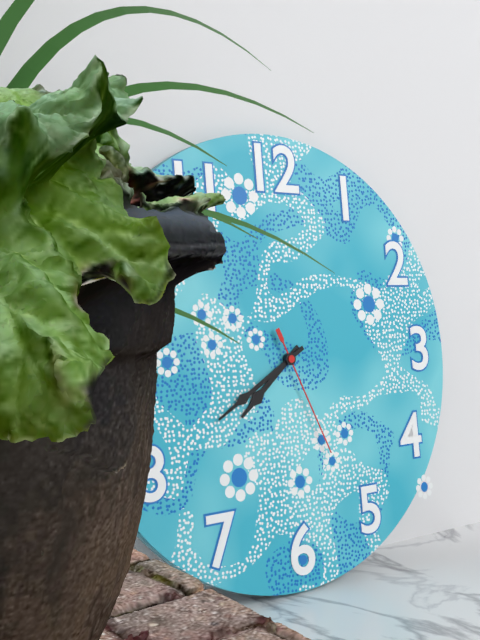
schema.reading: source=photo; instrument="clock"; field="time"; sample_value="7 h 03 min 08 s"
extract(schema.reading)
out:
7 h 40 min 26 s
